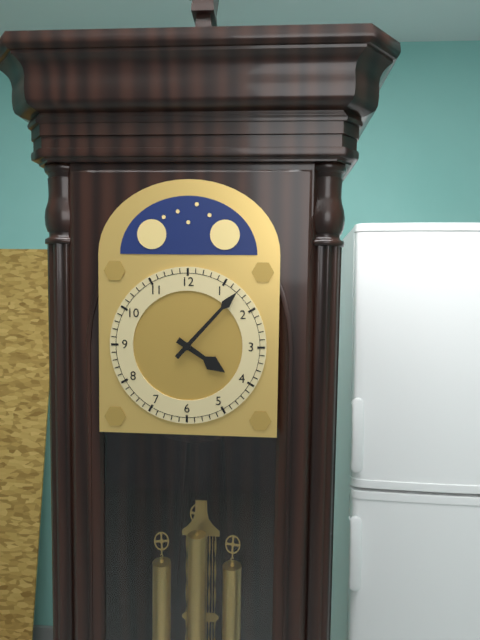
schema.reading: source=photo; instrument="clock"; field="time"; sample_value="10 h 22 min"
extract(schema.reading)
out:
4 h 07 min
